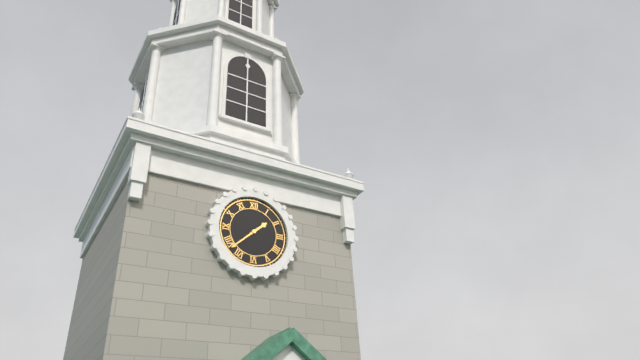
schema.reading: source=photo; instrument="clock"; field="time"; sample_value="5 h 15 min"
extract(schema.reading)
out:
1 h 38 min
